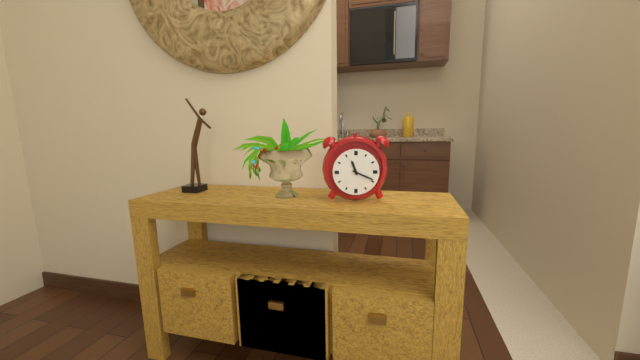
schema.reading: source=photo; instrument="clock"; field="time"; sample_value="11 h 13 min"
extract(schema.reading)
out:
11 h 19 min
